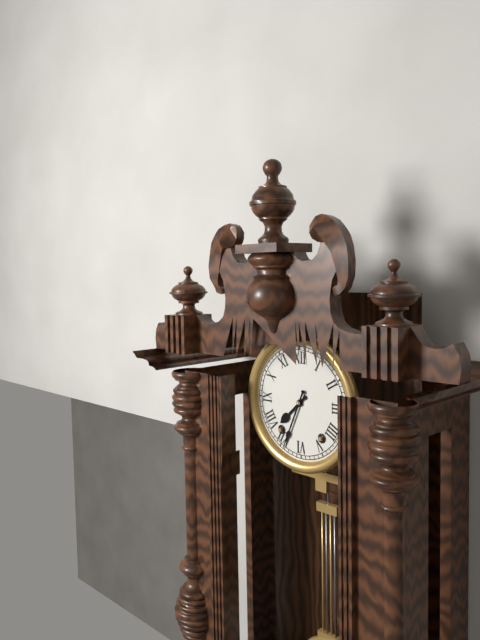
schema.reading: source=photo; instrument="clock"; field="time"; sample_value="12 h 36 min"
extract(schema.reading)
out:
7 h 34 min
